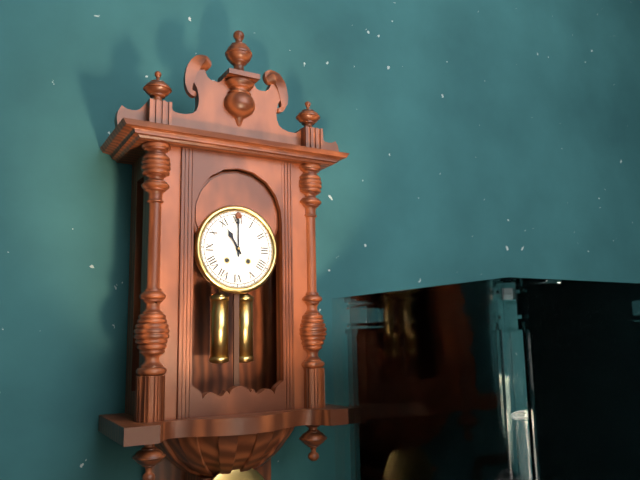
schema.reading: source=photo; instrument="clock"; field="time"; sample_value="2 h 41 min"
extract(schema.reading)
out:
11 h 00 min
